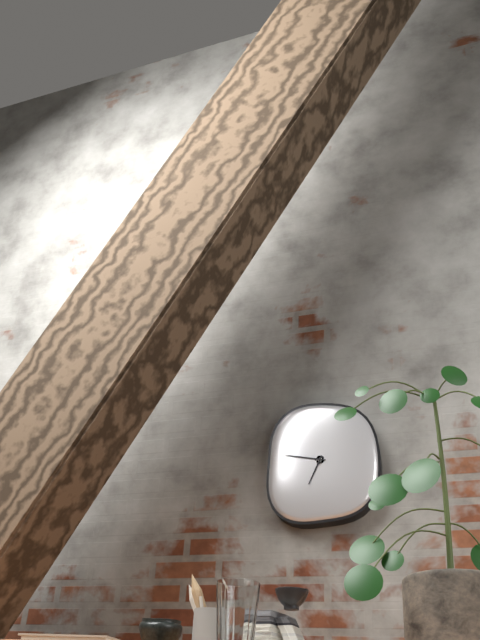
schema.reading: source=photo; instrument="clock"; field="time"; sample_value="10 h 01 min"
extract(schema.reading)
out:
6 h 47 min
